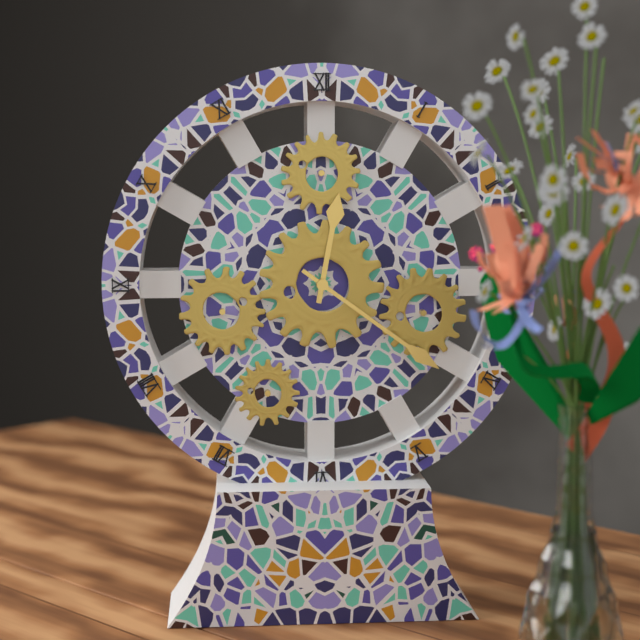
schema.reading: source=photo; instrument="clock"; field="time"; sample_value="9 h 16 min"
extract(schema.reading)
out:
12 h 21 min
